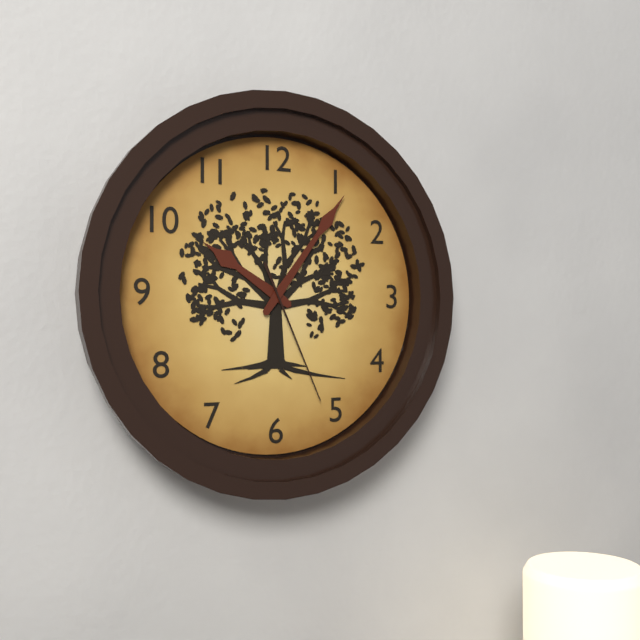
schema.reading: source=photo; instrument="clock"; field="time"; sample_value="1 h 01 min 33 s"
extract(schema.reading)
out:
10 h 06 min 26 s
